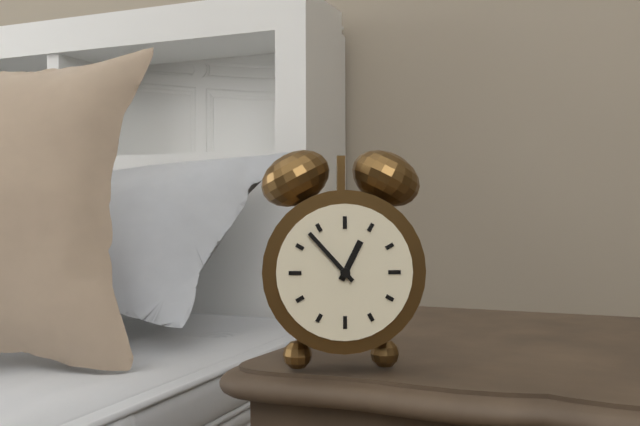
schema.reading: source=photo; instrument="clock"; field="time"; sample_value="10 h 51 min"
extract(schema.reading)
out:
12 h 53 min
